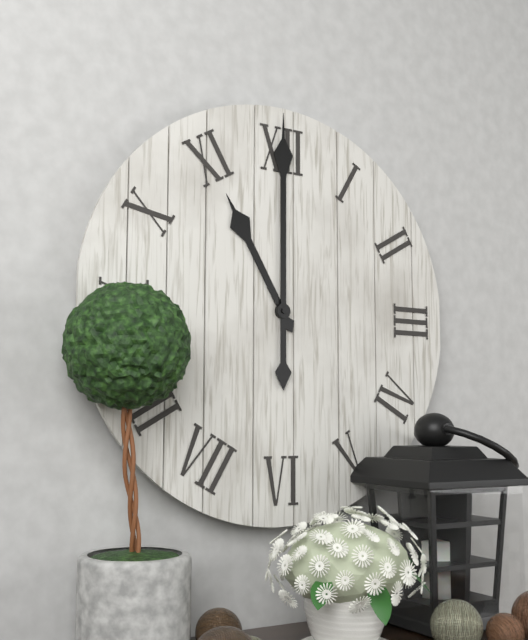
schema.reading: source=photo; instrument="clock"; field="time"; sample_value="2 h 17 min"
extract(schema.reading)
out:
11 h 00 min
